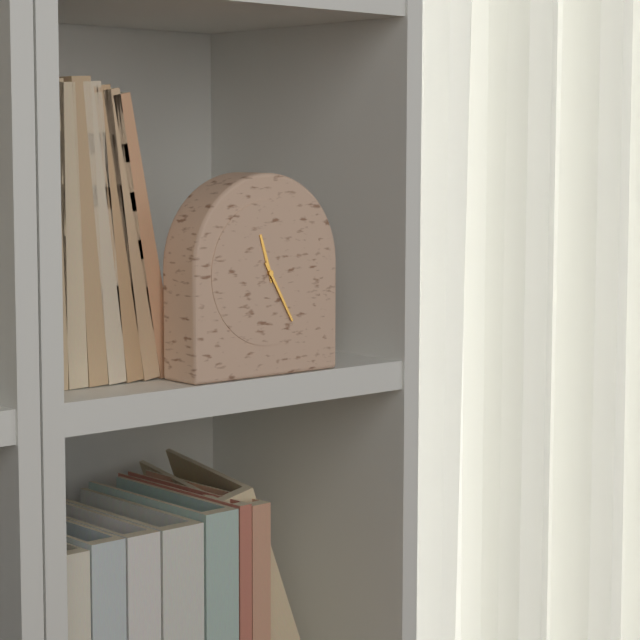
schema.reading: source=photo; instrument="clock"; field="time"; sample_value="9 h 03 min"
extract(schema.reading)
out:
11 h 25 min
